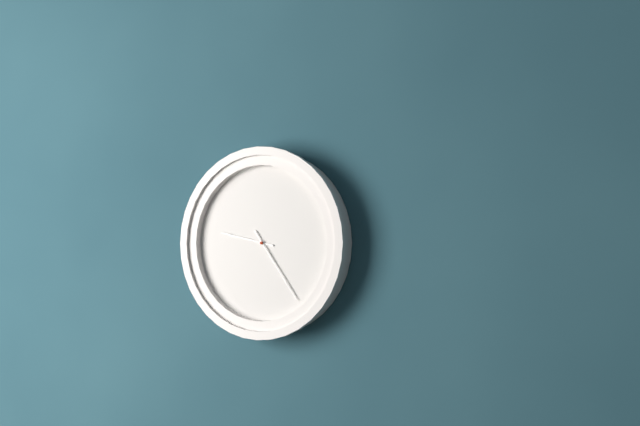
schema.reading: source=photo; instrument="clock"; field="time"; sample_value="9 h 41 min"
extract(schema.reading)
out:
9 h 24 min
